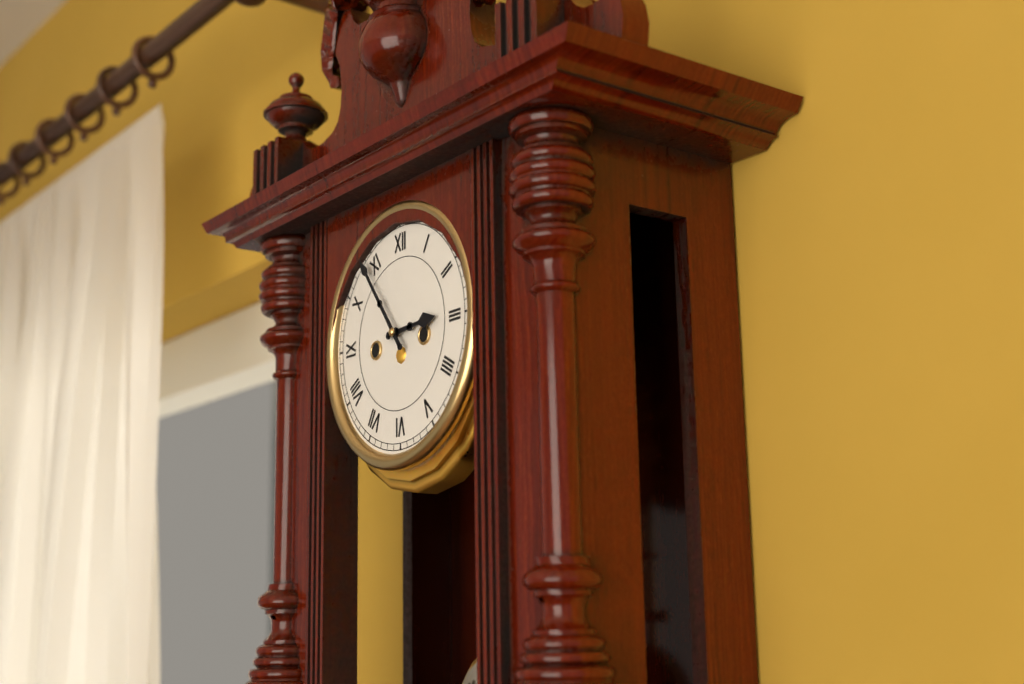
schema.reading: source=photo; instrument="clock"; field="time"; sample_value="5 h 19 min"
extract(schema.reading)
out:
2 h 54 min
